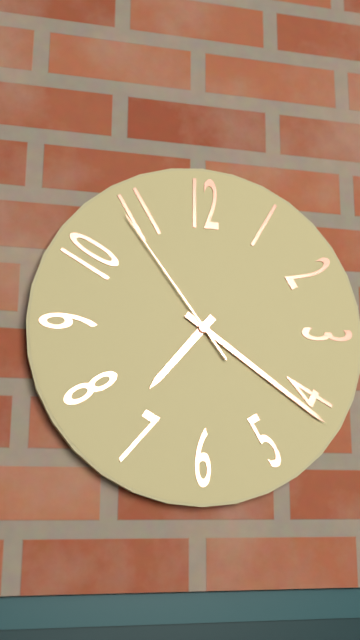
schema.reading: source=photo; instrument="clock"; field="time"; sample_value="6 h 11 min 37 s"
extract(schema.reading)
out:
7 h 21 min 54 s
